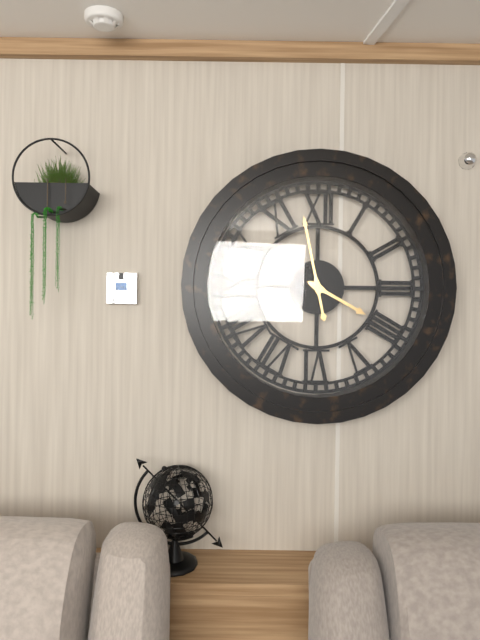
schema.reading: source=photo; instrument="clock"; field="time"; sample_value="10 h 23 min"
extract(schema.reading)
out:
3 h 58 min
